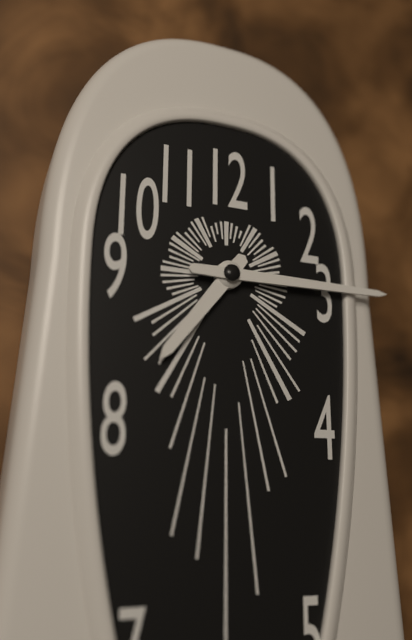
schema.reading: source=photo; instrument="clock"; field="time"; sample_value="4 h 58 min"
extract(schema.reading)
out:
7 h 15 min
